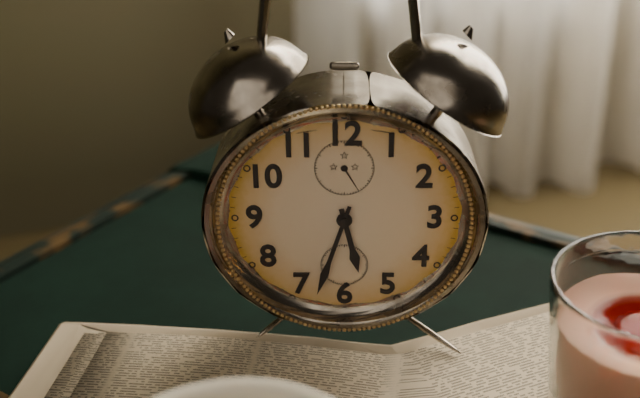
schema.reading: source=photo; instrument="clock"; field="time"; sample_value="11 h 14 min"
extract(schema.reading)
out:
5 h 33 min
